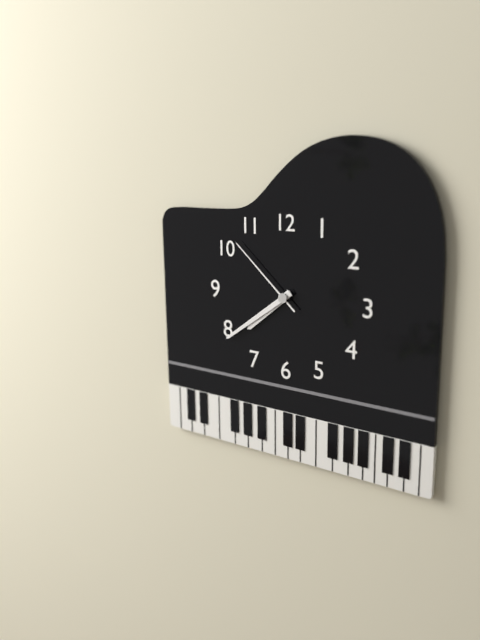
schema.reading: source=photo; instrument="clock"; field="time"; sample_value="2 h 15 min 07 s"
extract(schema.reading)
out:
7 h 39 min 52 s
